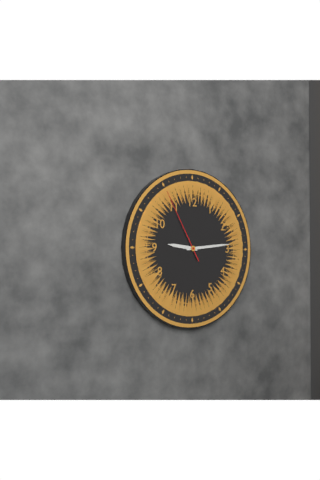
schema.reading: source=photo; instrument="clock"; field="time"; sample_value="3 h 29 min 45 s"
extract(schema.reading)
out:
9 h 14 min 55 s
